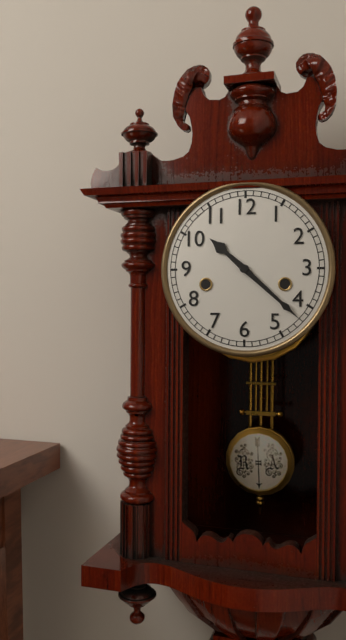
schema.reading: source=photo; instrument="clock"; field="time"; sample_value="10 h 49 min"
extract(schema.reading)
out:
10 h 22 min
